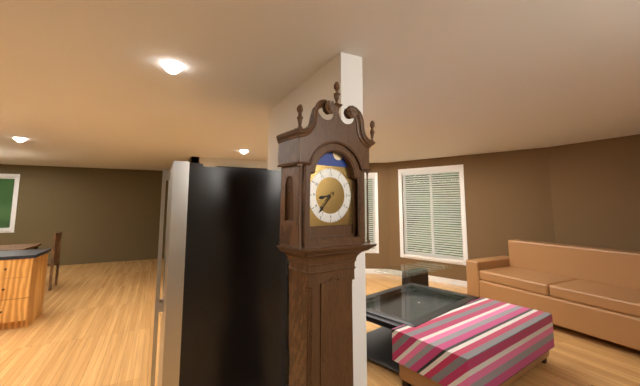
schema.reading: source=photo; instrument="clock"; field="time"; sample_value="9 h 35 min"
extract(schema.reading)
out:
8 h 37 min
